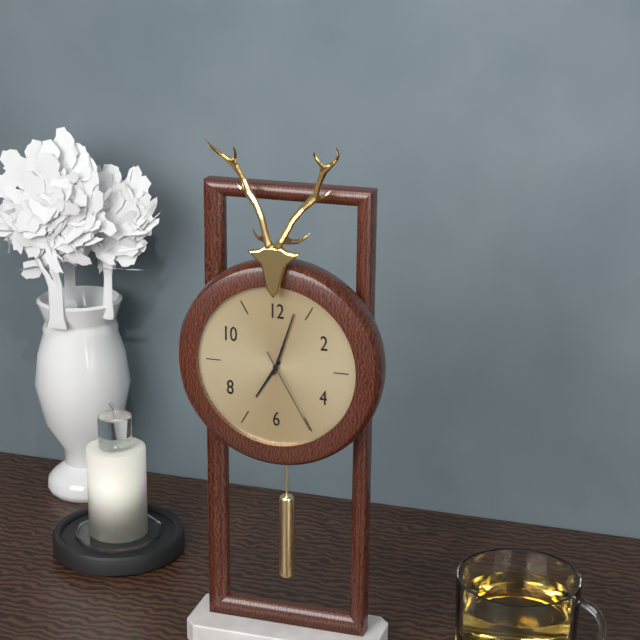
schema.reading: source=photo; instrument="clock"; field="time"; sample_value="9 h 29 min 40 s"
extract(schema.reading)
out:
7 h 03 min 25 s
